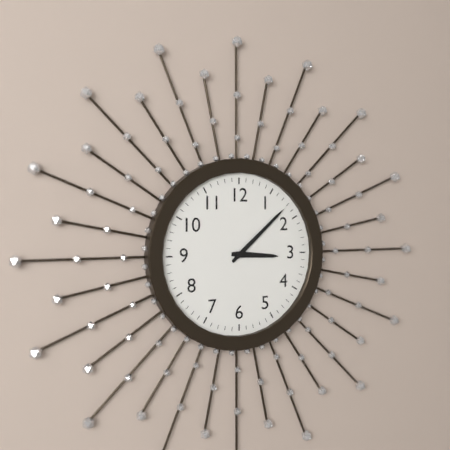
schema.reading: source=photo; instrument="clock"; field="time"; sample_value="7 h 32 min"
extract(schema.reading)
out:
3 h 08 min
